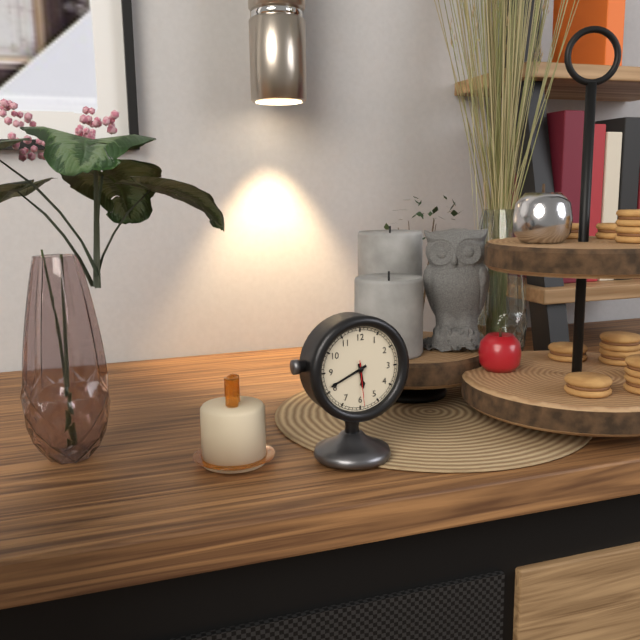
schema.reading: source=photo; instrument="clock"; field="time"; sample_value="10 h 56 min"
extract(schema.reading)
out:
5 h 41 min
